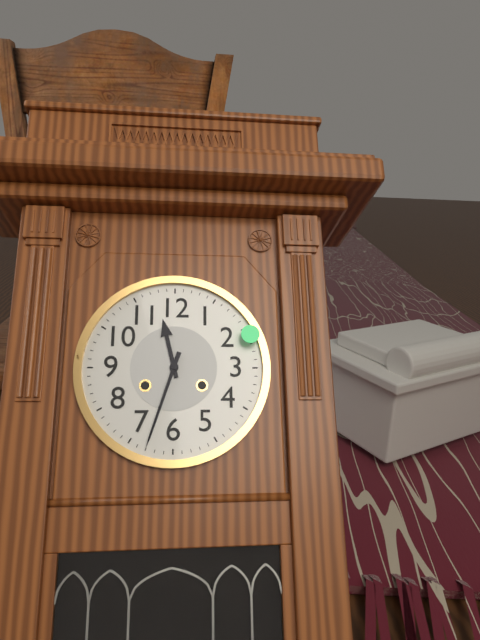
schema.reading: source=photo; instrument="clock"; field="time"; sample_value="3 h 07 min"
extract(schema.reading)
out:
11 h 33 min
